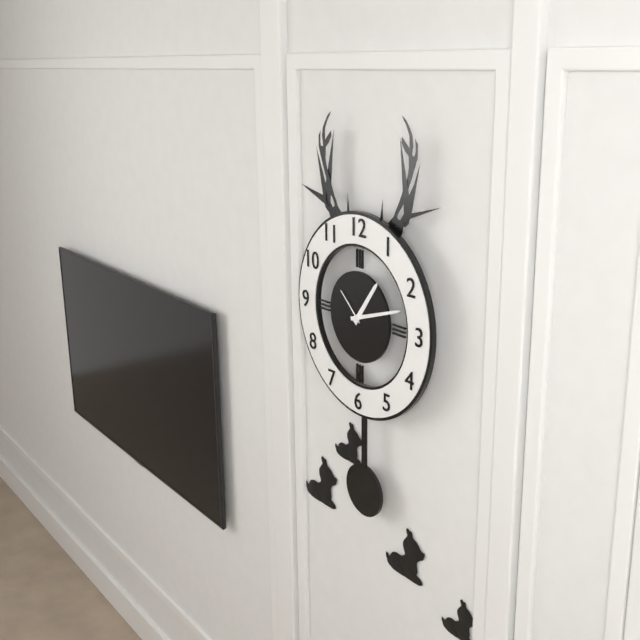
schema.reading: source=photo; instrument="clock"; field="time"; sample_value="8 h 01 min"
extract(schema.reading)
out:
1 h 12 min
